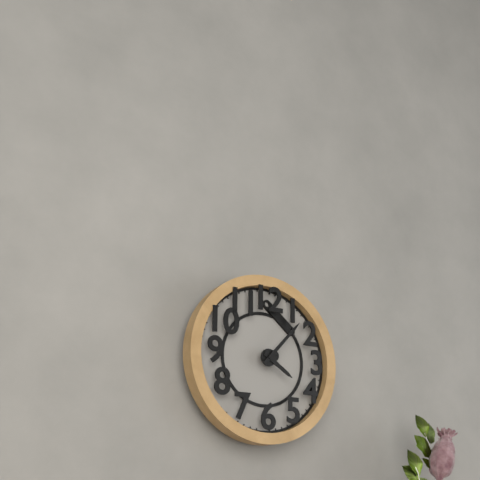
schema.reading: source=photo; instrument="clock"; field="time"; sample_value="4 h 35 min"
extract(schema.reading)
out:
4 h 07 min
